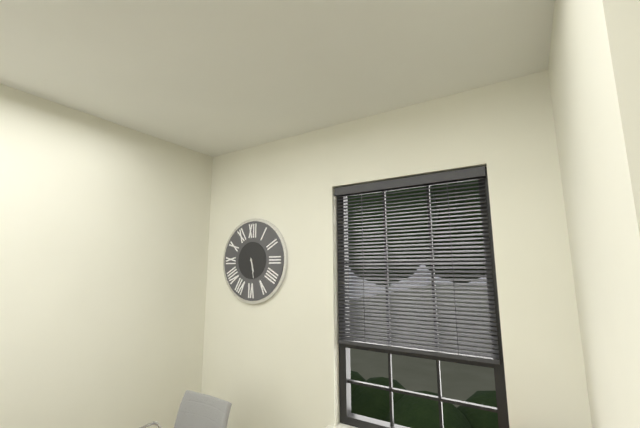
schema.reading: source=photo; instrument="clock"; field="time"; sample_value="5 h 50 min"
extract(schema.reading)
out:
5 h 28 min
